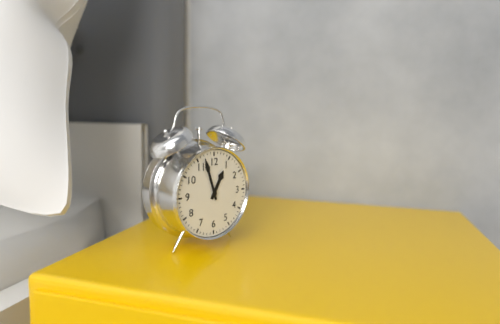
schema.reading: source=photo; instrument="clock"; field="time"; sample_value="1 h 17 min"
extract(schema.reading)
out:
12 h 57 min
